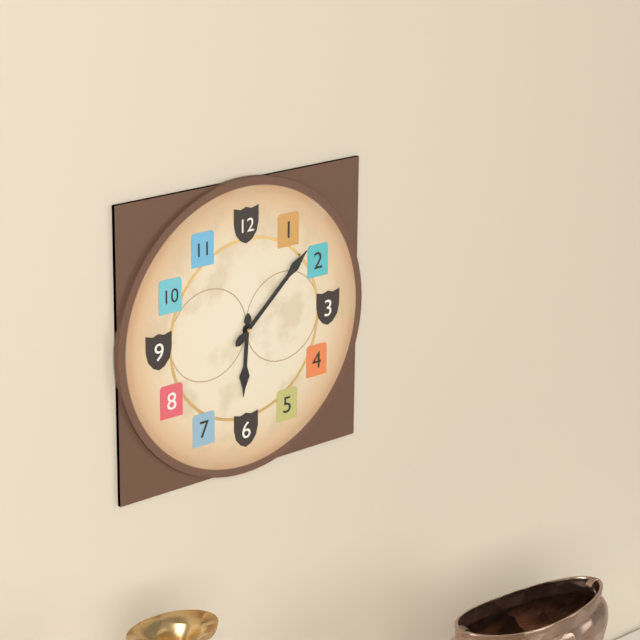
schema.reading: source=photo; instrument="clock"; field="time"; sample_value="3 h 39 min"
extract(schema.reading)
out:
6 h 08 min
